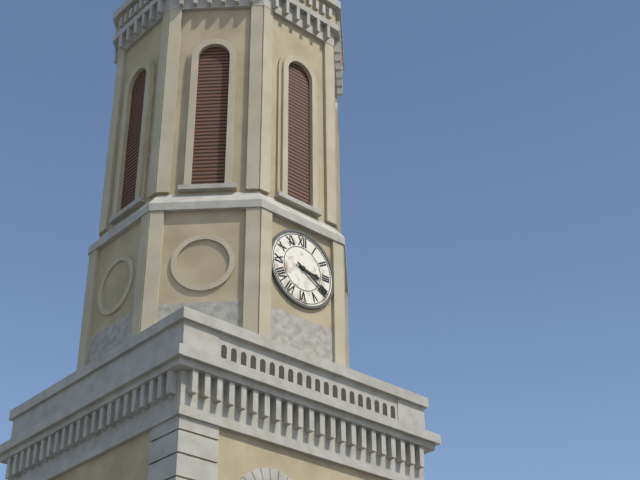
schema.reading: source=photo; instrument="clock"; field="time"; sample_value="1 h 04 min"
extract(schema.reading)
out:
3 h 20 min
